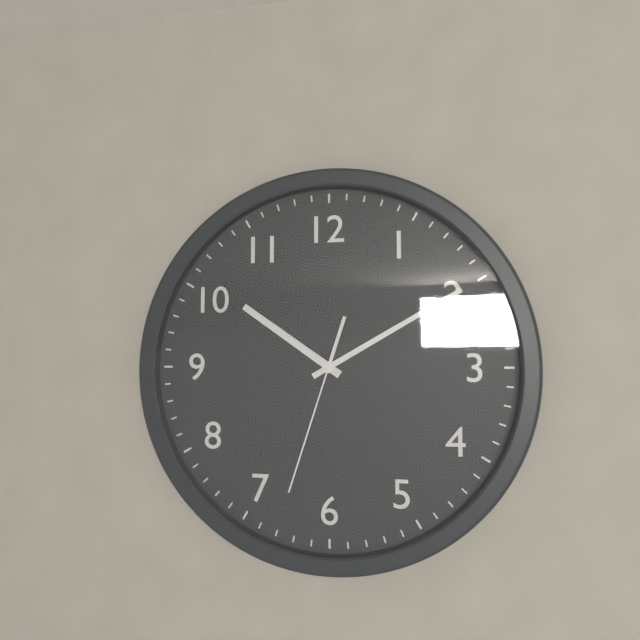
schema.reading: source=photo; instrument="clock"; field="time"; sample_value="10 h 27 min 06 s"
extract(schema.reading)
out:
10 h 10 min 33 s
